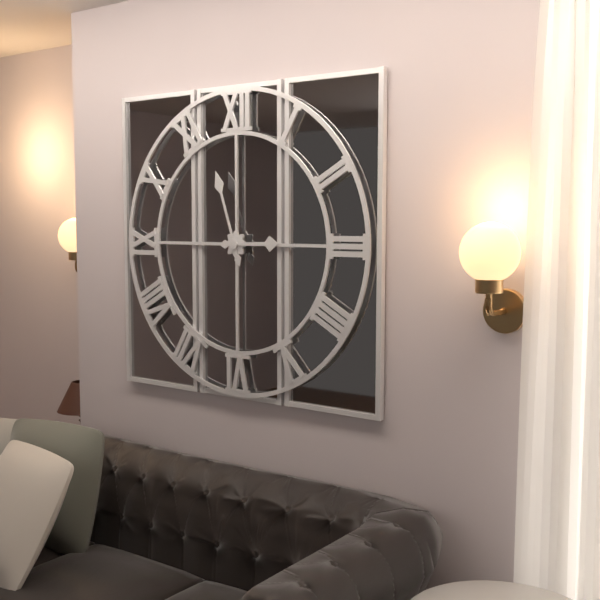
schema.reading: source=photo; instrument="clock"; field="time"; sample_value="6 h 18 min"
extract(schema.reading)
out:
2 h 57 min
